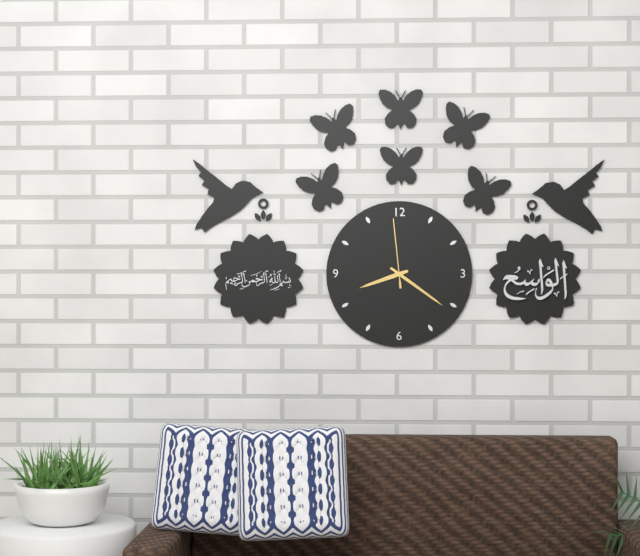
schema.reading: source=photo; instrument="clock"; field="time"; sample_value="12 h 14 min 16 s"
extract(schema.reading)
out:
8 h 21 min 59 s
